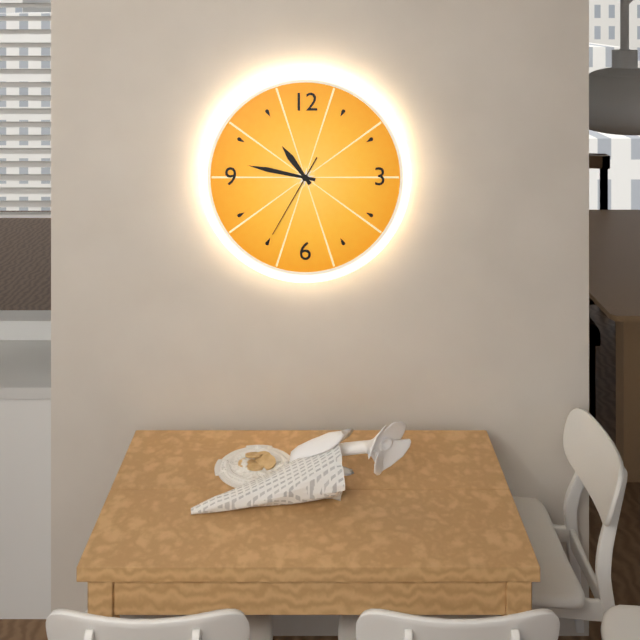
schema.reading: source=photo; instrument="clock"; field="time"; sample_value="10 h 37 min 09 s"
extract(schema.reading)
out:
10 h 47 min 35 s
